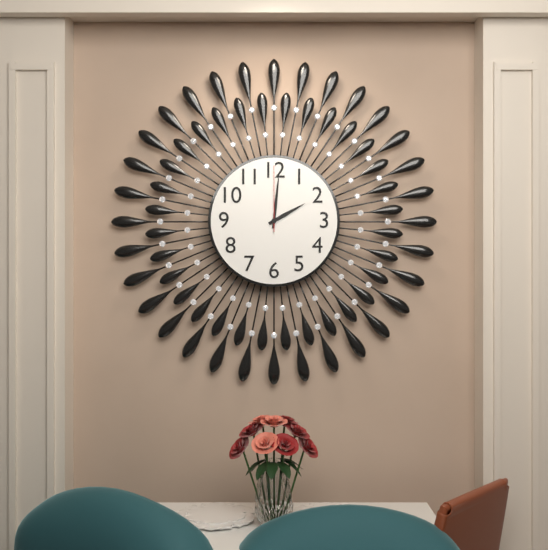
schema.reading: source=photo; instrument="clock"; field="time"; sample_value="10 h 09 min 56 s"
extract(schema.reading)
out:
2 h 01 min 00 s
